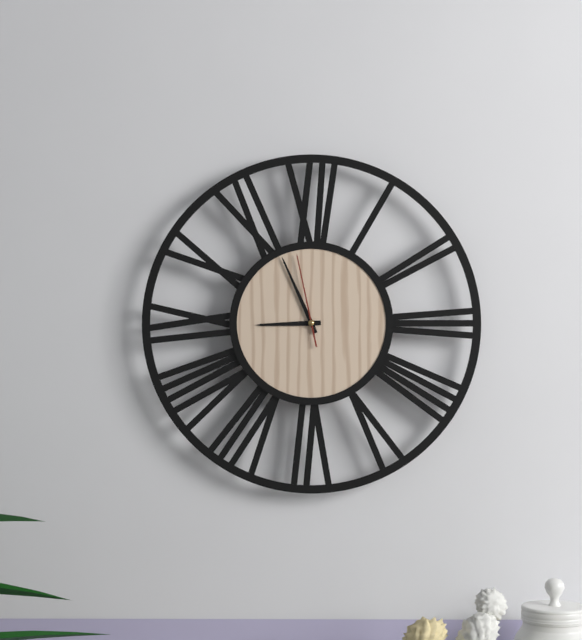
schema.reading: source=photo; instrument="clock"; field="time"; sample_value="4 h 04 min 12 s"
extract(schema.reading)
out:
8 h 56 min 58 s
